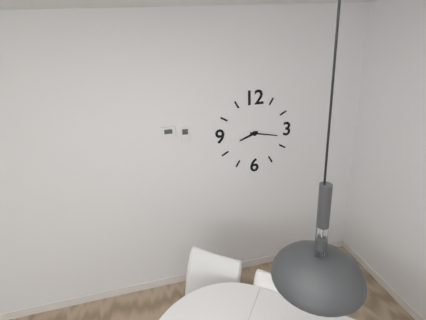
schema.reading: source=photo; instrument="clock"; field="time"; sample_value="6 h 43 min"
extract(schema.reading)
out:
8 h 17 min
